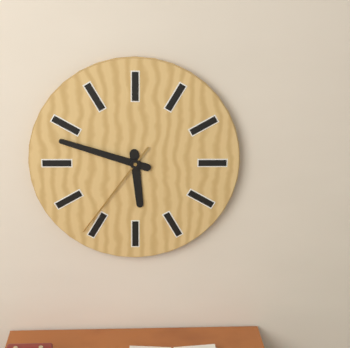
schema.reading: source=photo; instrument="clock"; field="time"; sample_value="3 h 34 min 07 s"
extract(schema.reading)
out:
5 h 48 min 36 s
